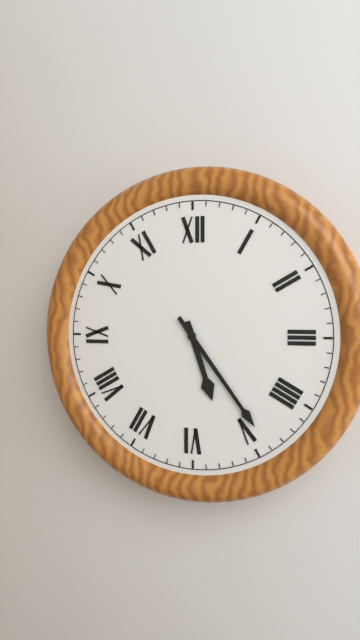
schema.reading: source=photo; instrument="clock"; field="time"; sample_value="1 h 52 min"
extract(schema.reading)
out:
5 h 24 min
